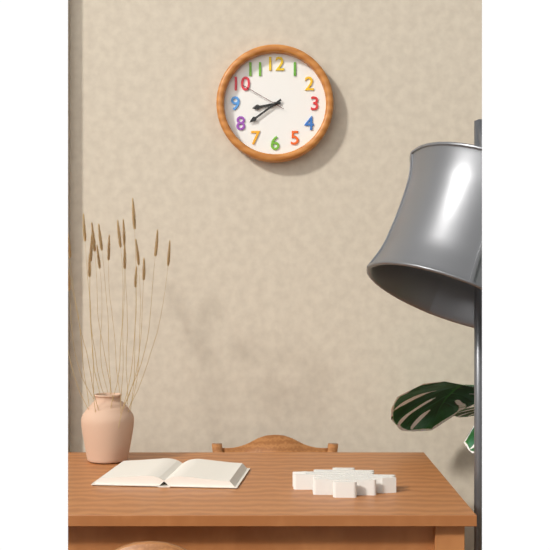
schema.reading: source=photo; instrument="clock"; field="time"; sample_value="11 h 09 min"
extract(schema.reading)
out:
8 h 39 min
